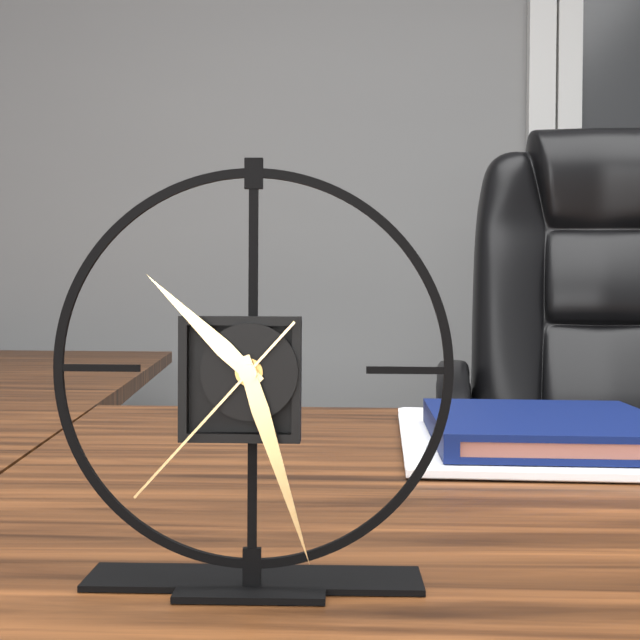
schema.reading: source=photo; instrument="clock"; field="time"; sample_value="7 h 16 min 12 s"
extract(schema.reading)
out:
10 h 27 min 37 s
